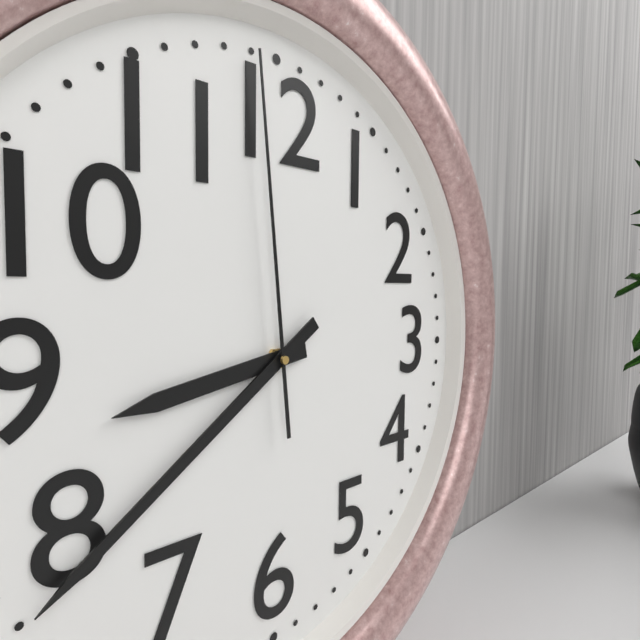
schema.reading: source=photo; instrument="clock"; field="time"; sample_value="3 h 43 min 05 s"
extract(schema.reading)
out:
8 h 39 min 59 s
